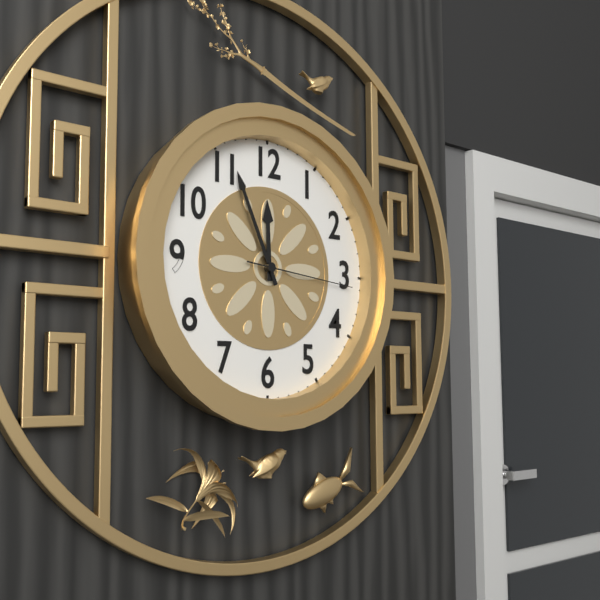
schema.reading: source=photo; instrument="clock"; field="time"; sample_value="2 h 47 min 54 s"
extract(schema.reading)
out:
11 h 56 min 16 s
